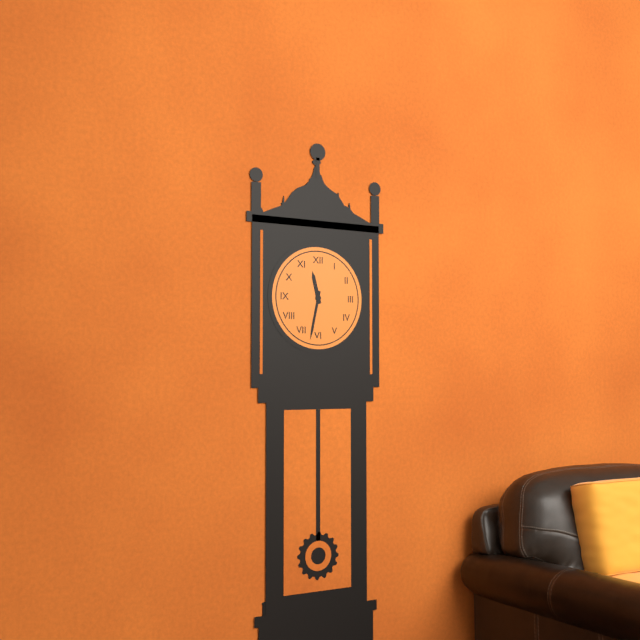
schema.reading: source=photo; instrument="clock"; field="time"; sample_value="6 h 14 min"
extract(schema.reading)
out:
11 h 32 min
